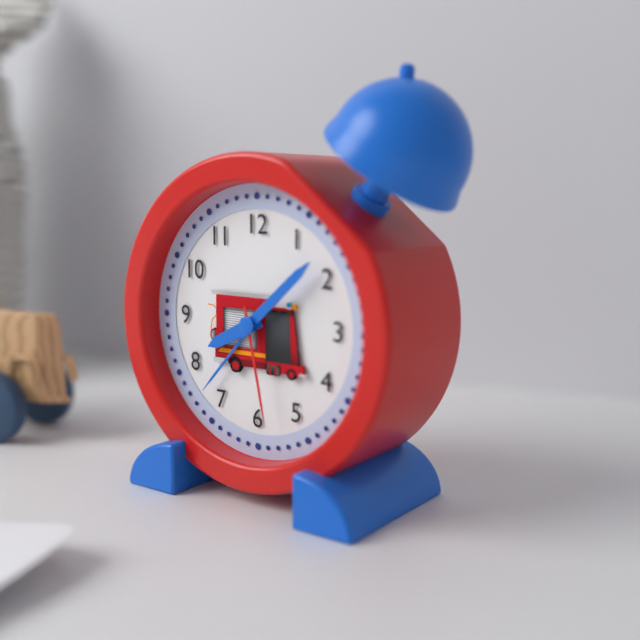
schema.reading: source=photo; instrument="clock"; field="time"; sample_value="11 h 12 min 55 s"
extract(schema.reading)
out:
8 h 08 min 28 s
